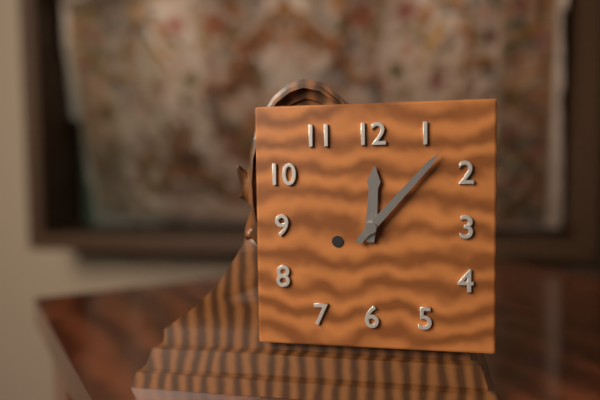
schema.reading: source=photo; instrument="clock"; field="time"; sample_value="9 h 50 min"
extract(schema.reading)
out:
12 h 07 min
